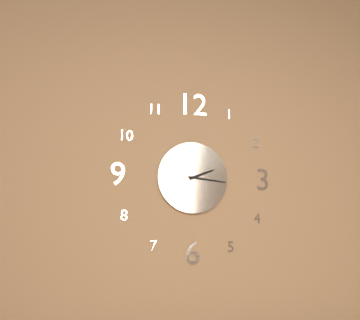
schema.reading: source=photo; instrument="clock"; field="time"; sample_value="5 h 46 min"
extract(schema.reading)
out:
2 h 16 min
